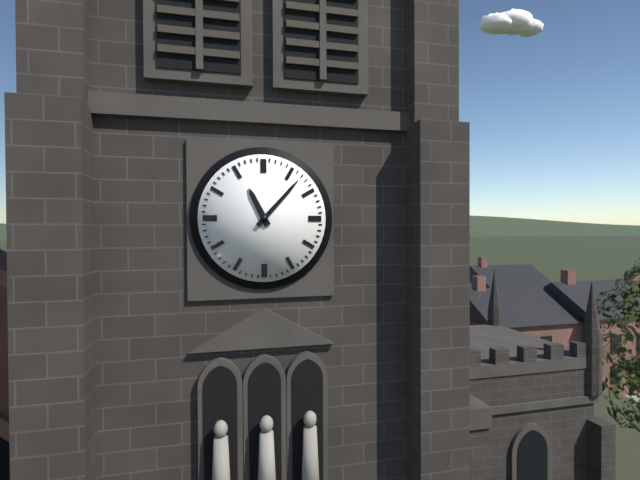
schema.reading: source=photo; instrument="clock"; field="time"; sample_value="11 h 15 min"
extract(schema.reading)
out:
11 h 07 min
